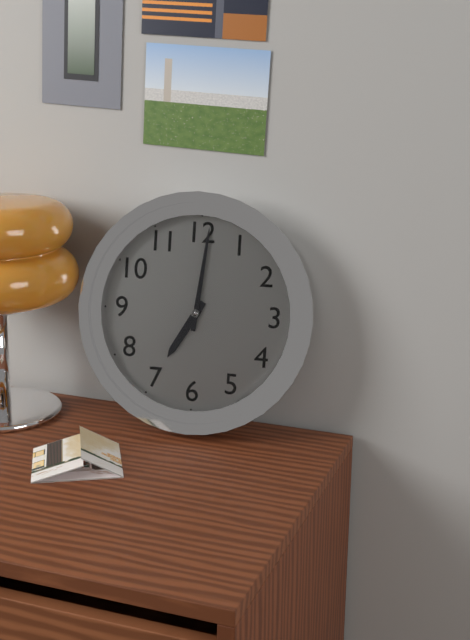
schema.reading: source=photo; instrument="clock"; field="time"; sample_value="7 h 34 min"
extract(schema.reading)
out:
7 h 01 min
